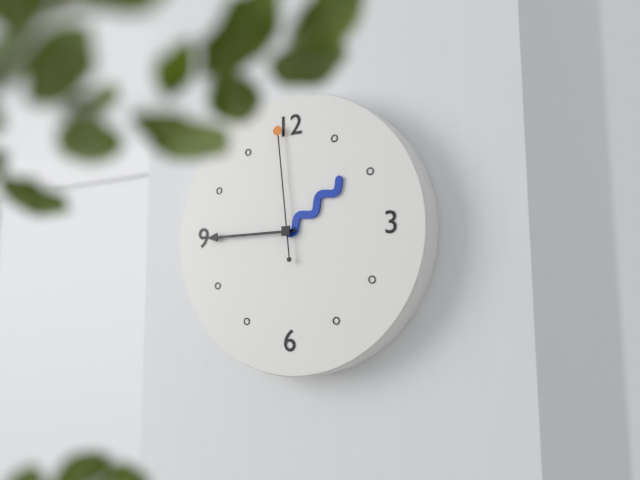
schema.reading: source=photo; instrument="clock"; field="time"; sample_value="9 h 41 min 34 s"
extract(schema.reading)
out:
1 h 45 min 59 s
